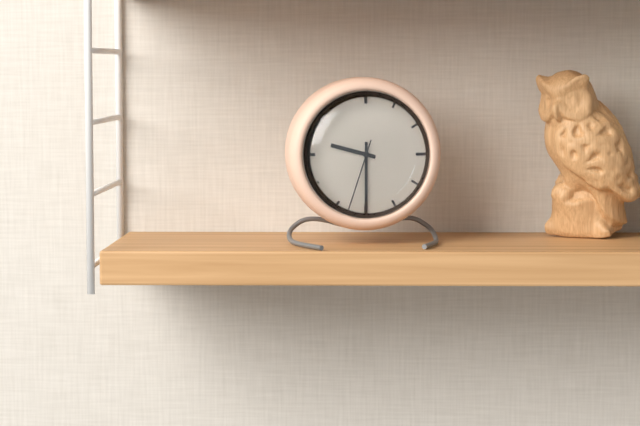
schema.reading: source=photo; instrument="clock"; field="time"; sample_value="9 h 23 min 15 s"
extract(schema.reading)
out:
9 h 30 min 33 s
